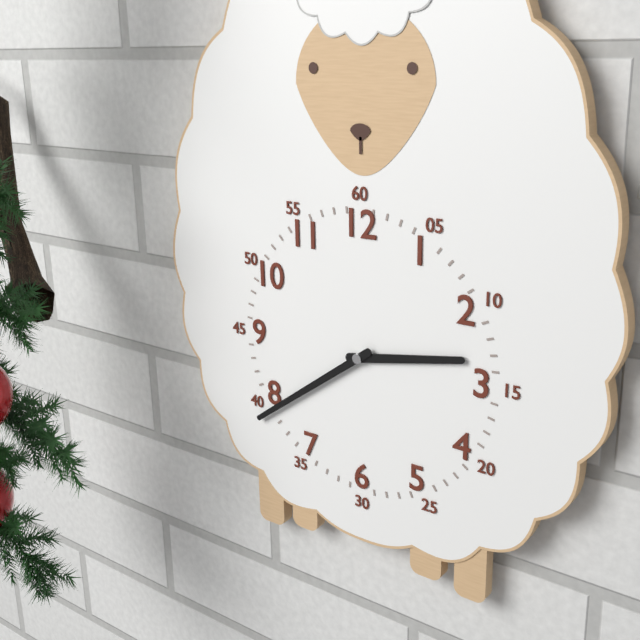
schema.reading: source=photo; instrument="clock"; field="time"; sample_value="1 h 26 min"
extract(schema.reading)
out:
2 h 39 min
